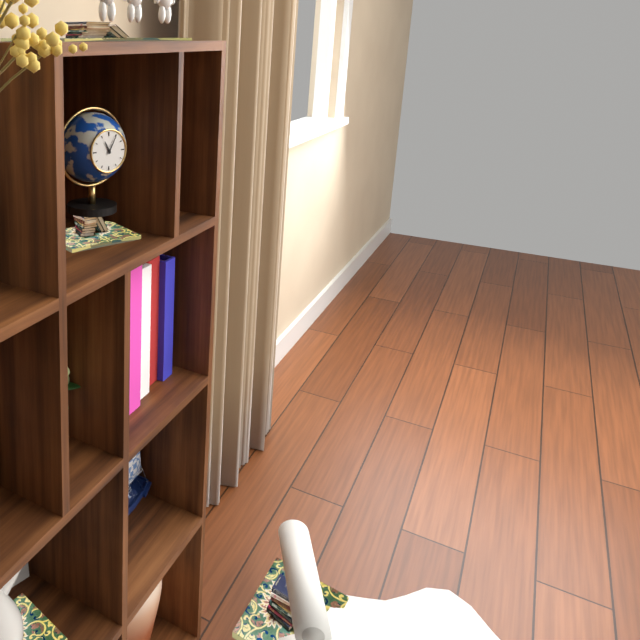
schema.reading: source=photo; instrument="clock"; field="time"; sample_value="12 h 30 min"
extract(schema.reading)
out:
11 h 05 min
